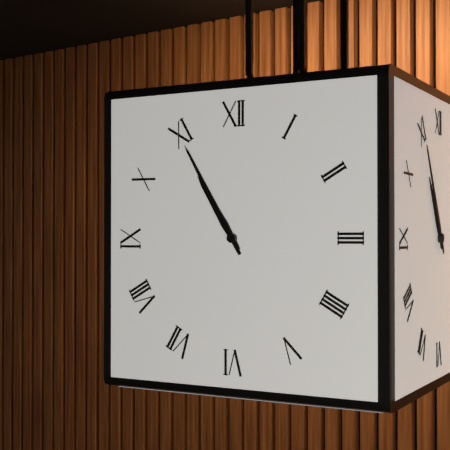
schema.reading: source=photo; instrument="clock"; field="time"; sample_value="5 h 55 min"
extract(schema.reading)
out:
10 h 55 min
